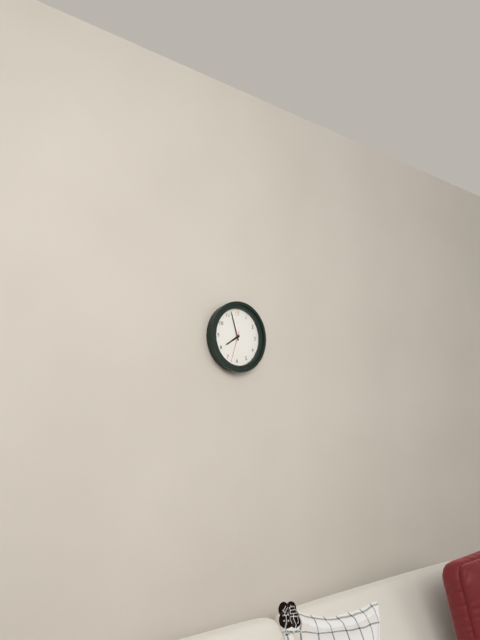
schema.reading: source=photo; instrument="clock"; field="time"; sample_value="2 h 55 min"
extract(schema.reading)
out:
7 h 57 min
